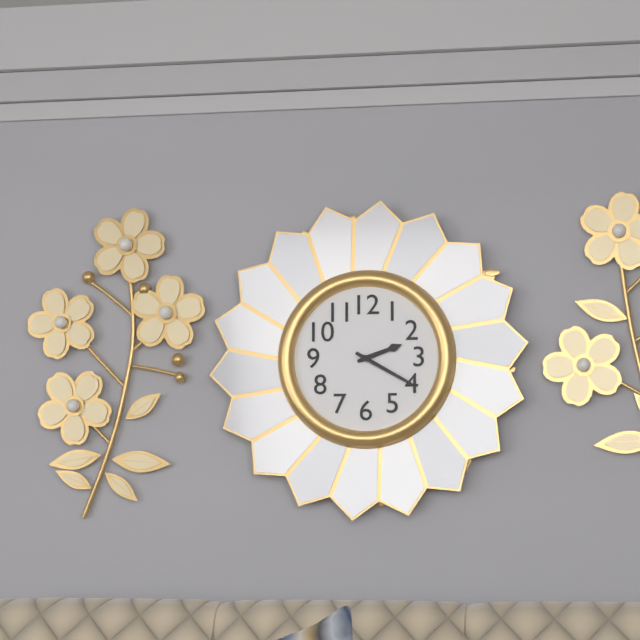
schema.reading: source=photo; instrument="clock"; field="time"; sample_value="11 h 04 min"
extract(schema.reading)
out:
2 h 20 min
